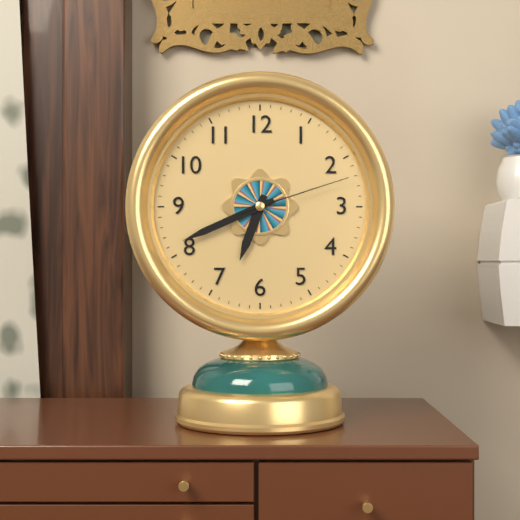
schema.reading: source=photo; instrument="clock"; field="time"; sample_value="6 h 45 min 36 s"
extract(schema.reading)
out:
6 h 41 min 12 s
